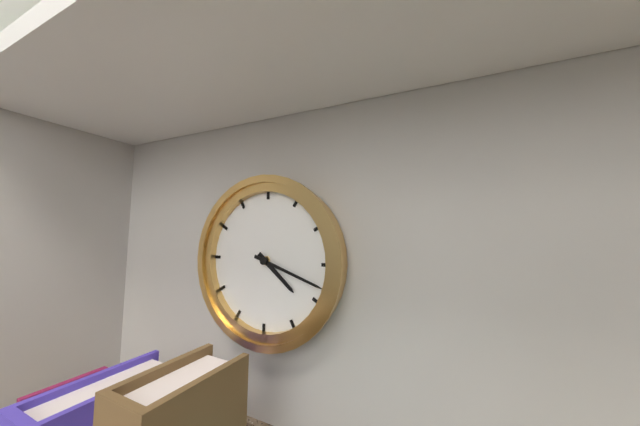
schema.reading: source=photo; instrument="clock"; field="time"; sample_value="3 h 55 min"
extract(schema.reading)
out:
4 h 18 min
